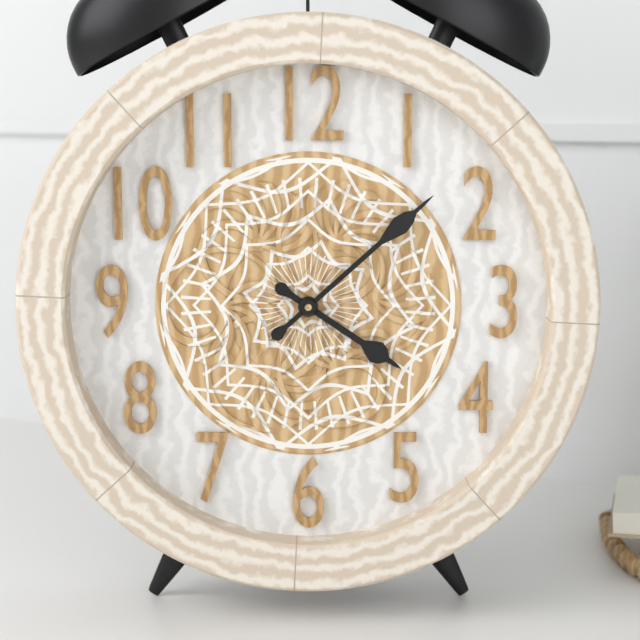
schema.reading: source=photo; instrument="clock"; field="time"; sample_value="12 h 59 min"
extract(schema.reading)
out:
4 h 08 min
